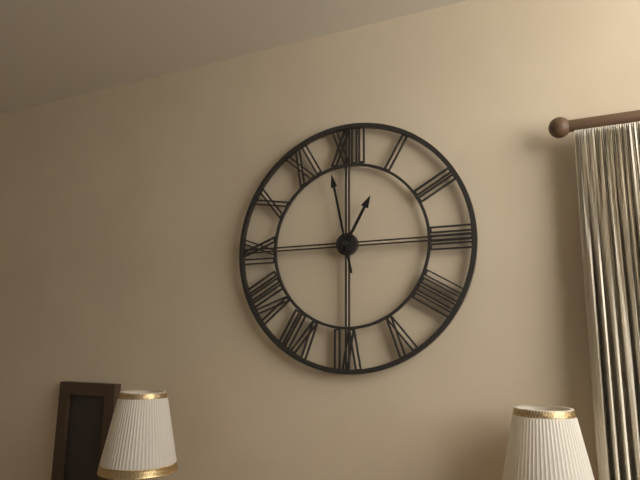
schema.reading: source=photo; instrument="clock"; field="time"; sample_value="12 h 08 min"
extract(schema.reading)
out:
12 h 58 min
